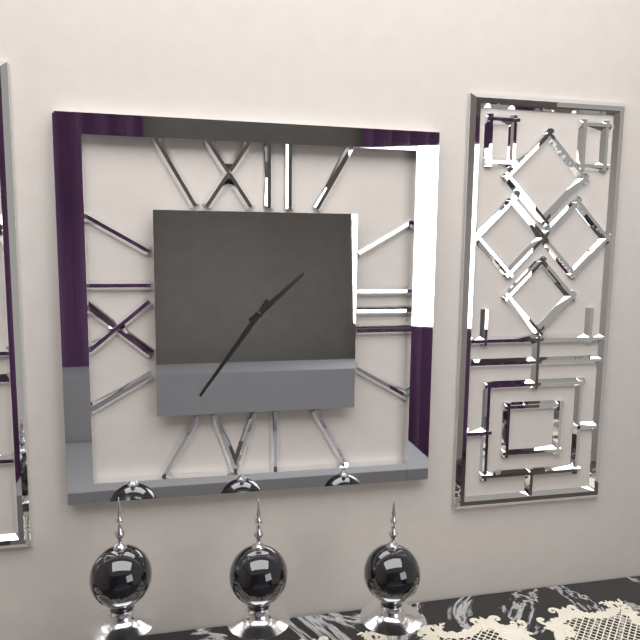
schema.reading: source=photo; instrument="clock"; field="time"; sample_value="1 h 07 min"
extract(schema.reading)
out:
1 h 36 min
